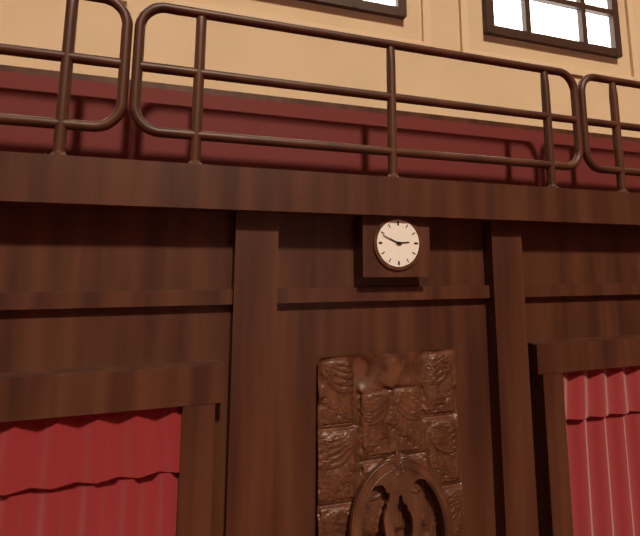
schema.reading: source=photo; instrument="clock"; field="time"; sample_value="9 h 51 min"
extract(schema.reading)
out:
2 h 49 min
